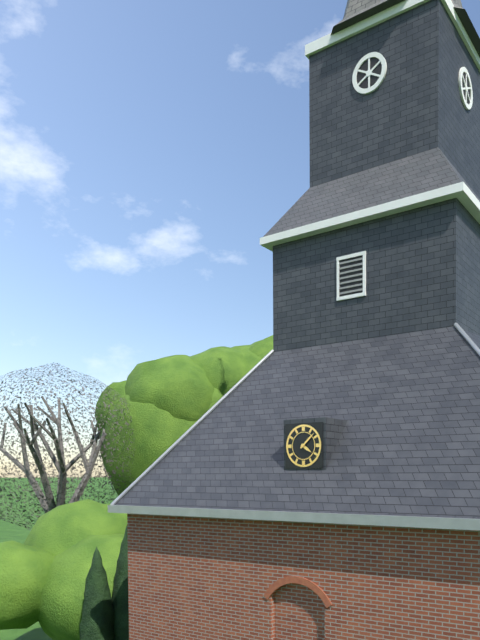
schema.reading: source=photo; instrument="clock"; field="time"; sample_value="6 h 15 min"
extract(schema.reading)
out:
4 h 08 min
